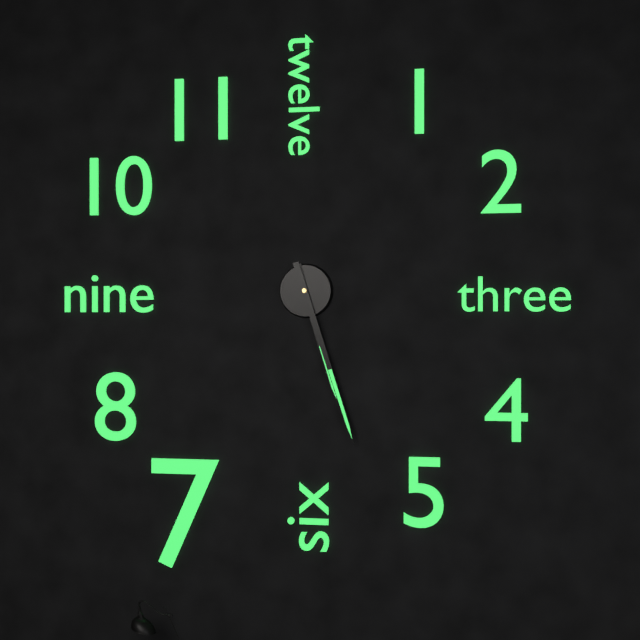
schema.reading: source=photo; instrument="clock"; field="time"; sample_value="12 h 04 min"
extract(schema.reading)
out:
5 h 27 min
